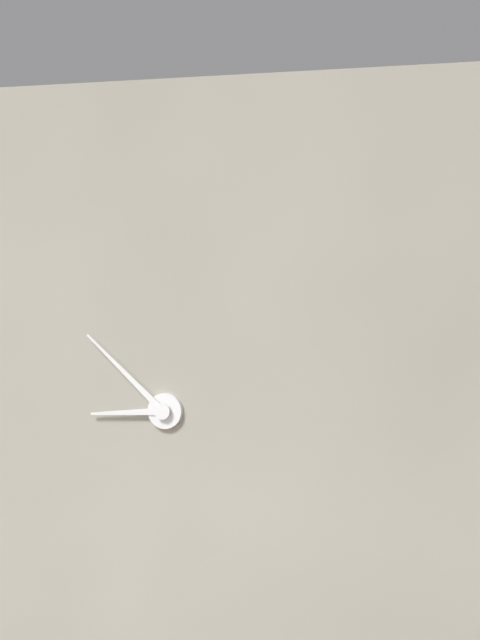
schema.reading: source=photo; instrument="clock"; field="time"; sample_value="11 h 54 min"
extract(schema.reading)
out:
8 h 52 min
